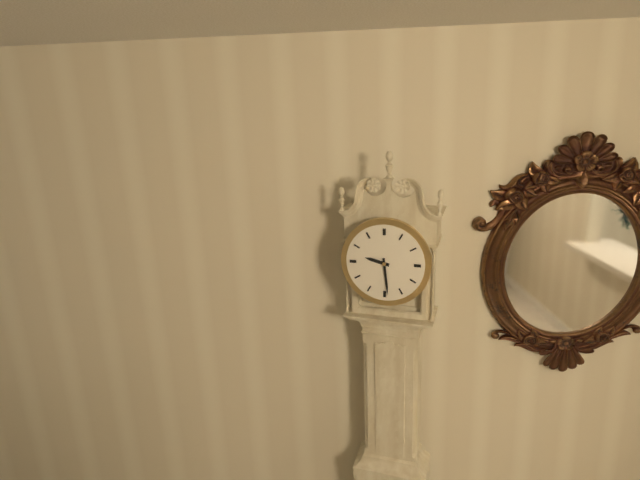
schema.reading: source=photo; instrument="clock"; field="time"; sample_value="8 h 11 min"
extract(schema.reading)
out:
9 h 29 min
